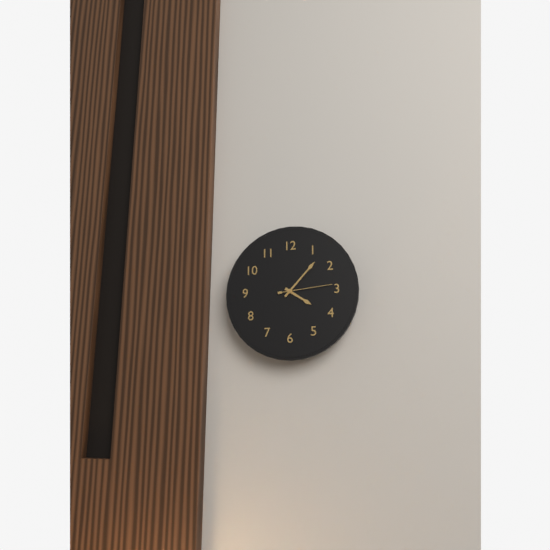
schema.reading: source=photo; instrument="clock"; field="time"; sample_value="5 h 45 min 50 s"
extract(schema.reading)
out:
4 h 07 min 14 s
